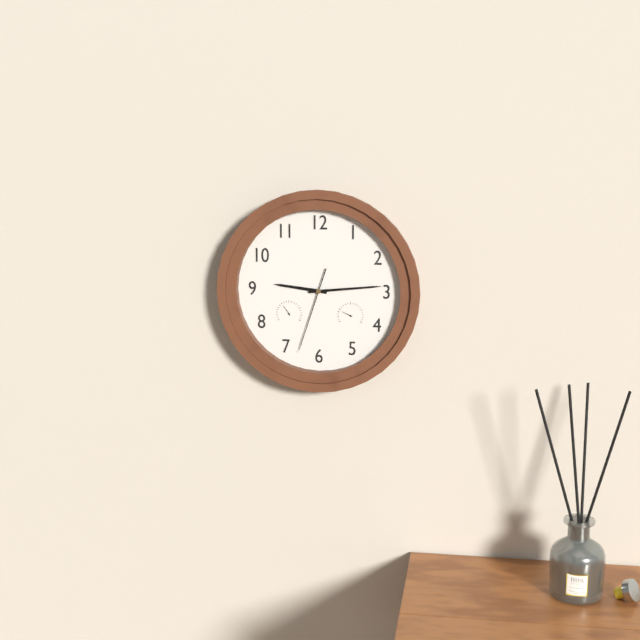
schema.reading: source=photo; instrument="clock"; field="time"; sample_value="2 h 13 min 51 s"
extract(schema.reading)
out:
9 h 14 min 33 s
